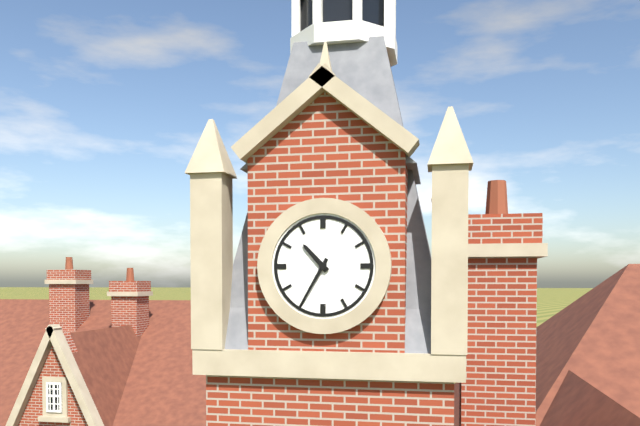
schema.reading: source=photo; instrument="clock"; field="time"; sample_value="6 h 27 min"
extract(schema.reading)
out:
10 h 35 min
